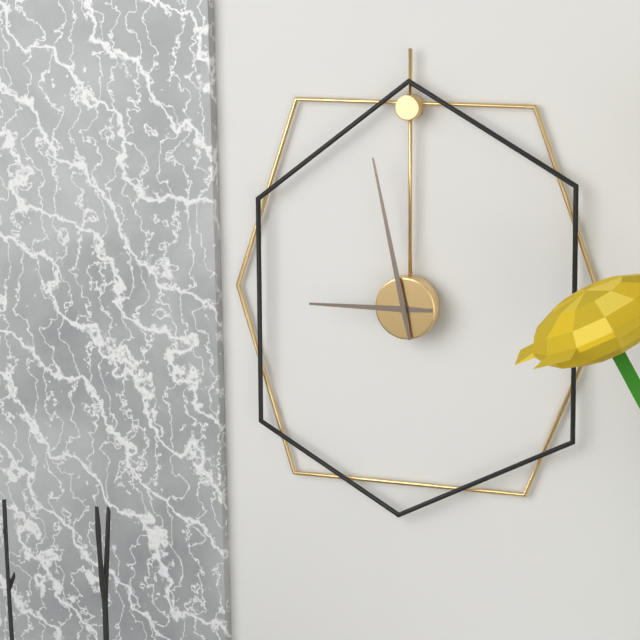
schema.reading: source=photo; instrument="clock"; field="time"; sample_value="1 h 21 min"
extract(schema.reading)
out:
8 h 58 min
